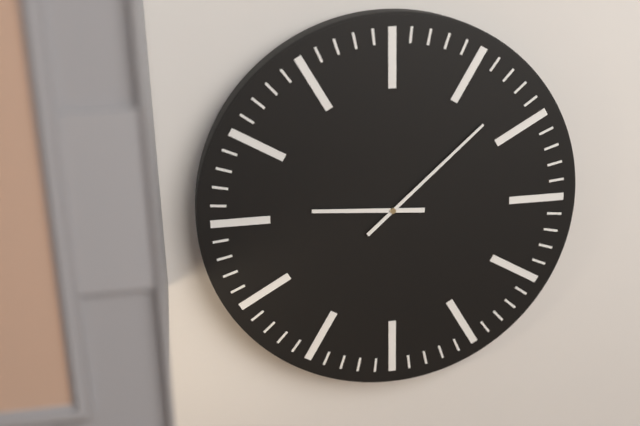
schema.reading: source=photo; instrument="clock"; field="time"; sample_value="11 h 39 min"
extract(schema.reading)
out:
9 h 08 min
